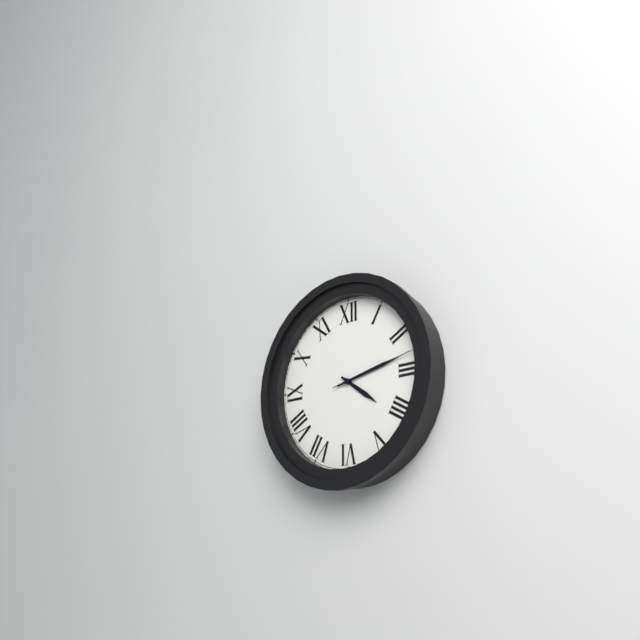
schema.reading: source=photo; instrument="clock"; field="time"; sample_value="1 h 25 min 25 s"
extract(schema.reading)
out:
4 h 13 min 13 s
